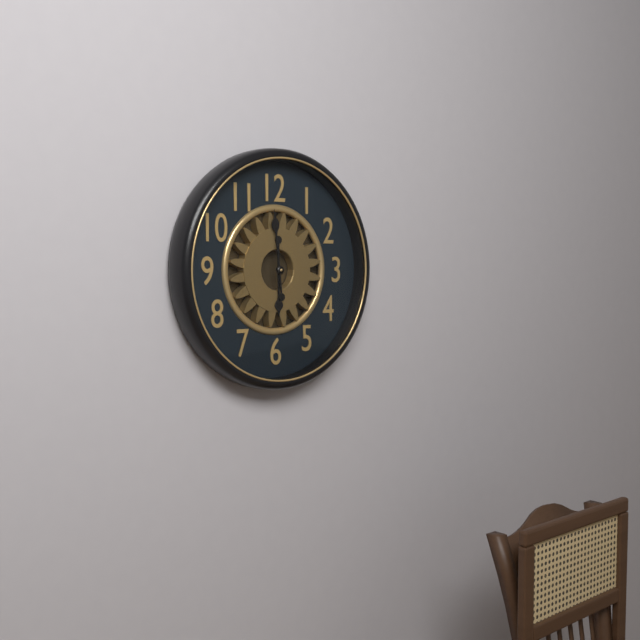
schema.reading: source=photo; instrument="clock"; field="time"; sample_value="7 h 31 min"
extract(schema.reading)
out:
5 h 59 min
